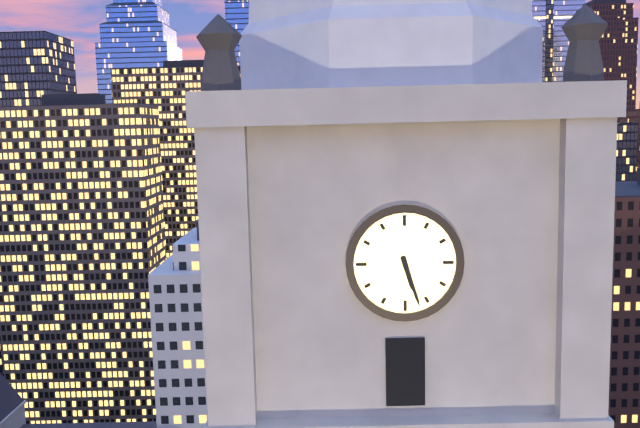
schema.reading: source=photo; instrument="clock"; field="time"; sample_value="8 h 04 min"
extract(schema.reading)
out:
5 h 27 min
